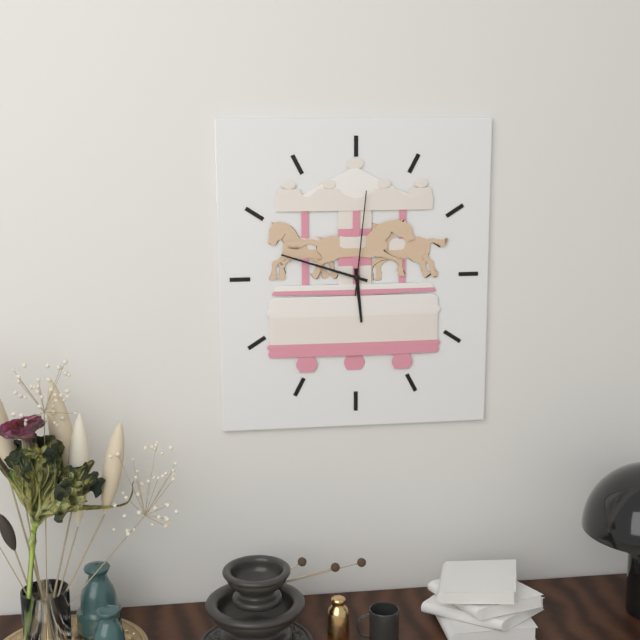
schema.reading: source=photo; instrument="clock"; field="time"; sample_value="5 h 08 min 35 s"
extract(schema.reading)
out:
5 h 48 min 01 s
